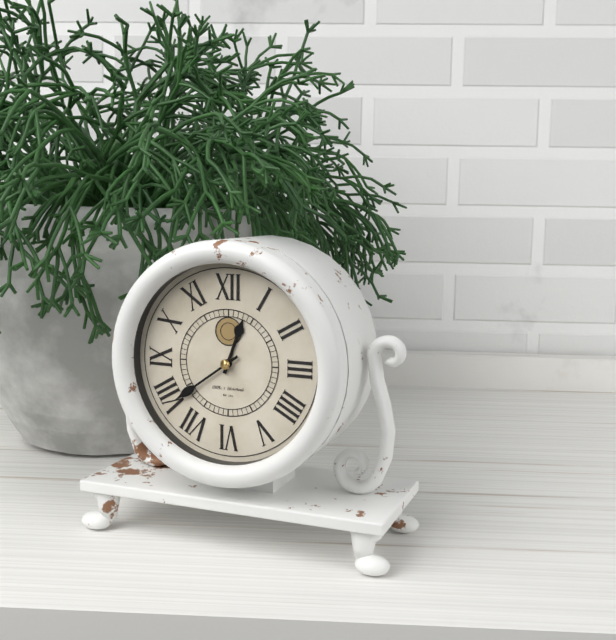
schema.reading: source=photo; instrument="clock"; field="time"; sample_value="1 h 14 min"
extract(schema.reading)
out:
12 h 39 min
